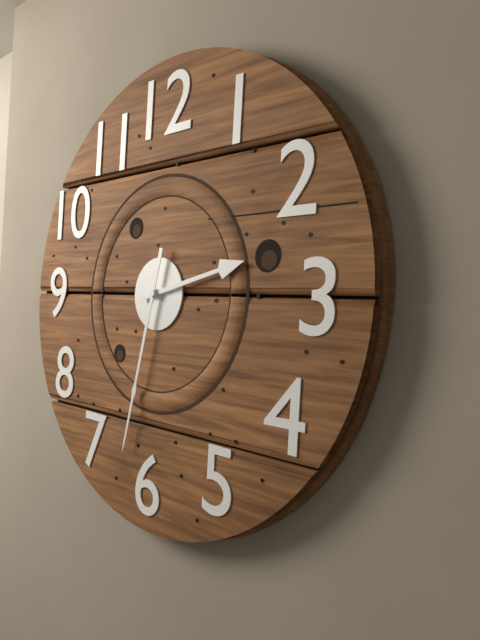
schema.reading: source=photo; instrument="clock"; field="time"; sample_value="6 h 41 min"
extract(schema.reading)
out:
2 h 32 min
